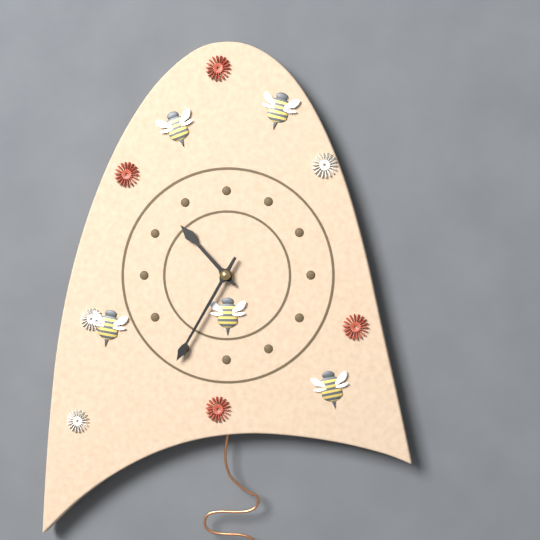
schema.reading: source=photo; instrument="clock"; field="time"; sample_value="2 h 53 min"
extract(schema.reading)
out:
10 h 35 min
